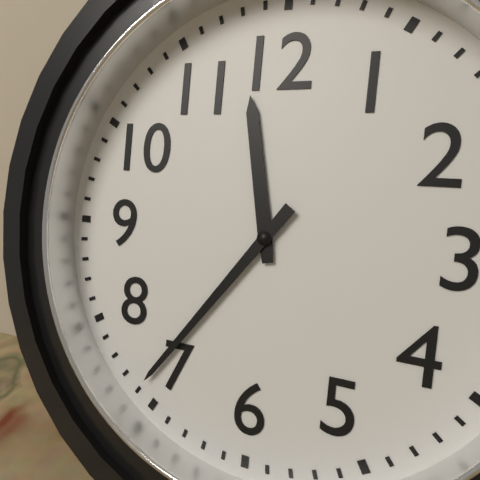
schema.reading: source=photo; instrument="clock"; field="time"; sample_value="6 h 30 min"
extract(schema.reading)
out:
11 h 36 min
